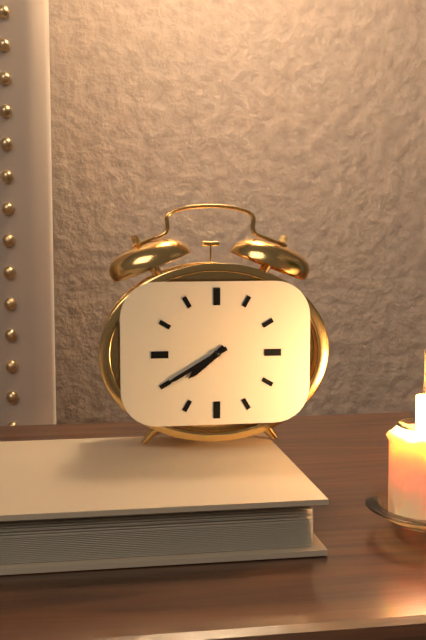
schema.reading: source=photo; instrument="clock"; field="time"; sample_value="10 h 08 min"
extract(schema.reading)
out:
7 h 40 min
